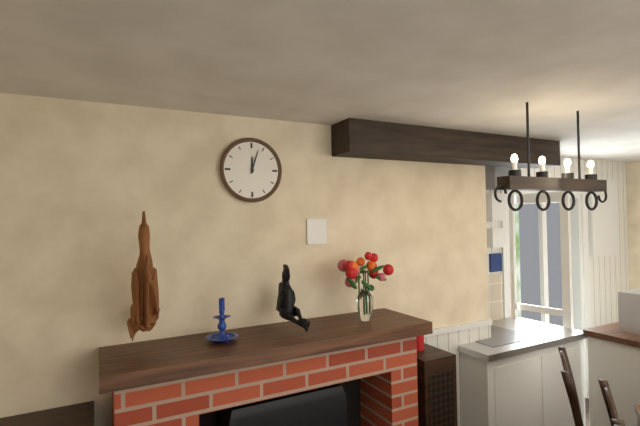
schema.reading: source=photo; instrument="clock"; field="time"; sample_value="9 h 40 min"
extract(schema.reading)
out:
12 h 03 min
